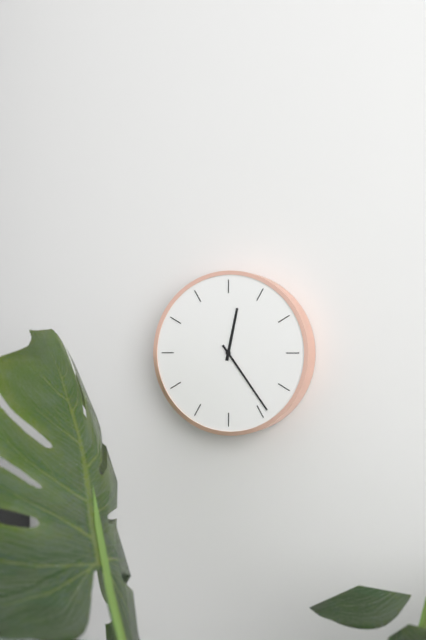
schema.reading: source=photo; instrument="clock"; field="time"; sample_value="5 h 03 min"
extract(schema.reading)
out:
12 h 24 min
